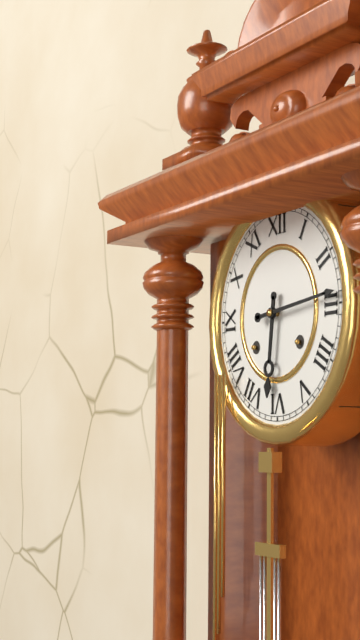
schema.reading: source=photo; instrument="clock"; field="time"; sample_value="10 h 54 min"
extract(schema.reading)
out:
6 h 14 min
